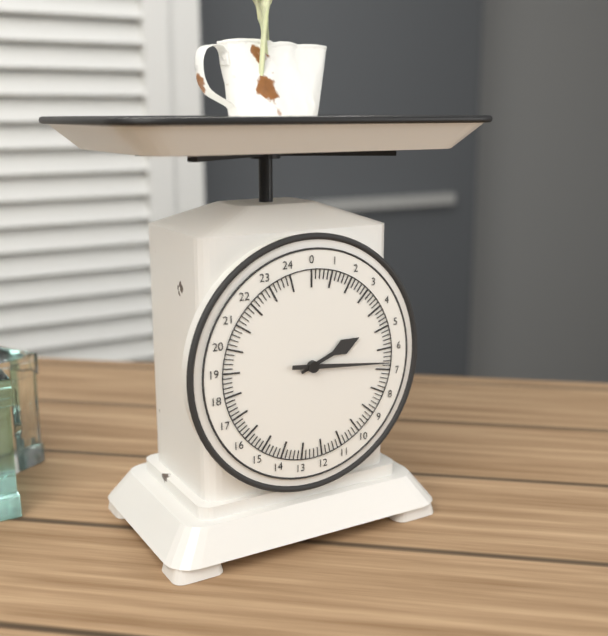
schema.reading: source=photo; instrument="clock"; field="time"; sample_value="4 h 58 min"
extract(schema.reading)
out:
2 h 16 min
